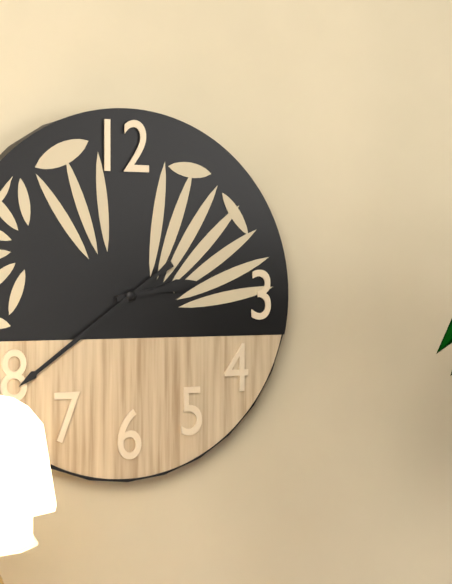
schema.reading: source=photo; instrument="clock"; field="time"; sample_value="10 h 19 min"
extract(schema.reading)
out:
2 h 39 min
